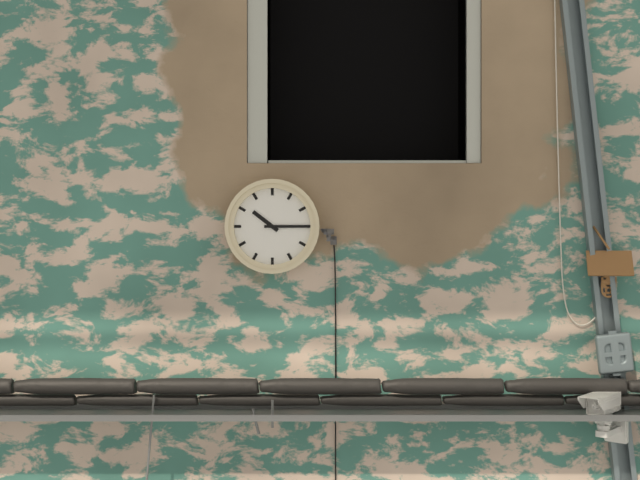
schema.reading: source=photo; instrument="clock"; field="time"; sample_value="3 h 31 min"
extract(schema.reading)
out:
10 h 15 min
